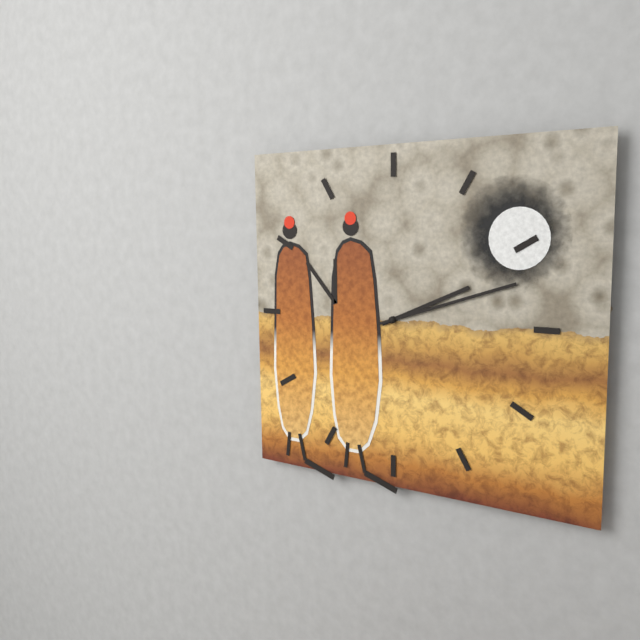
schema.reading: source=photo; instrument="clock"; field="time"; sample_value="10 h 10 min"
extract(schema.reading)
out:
2 h 12 min
